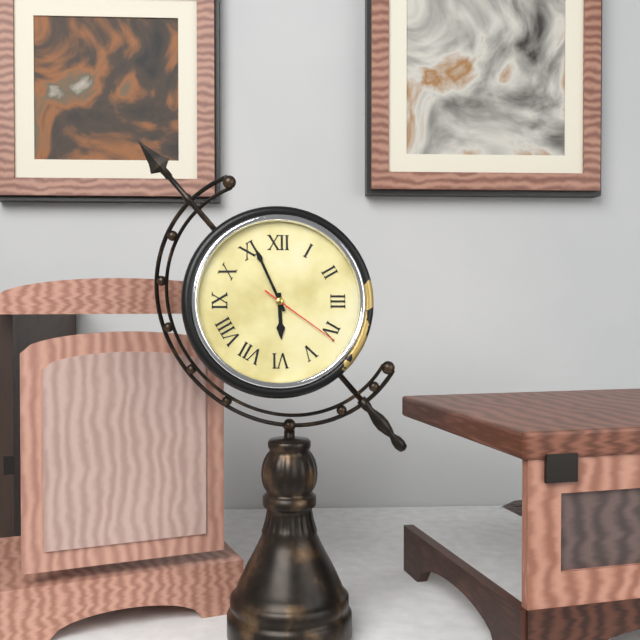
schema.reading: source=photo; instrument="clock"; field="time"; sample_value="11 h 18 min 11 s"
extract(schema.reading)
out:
5 h 56 min 21 s
